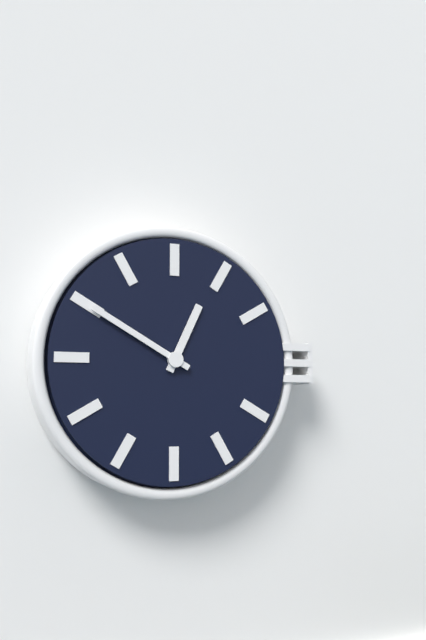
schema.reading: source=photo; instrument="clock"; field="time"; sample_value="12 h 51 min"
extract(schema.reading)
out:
12 h 50 min
